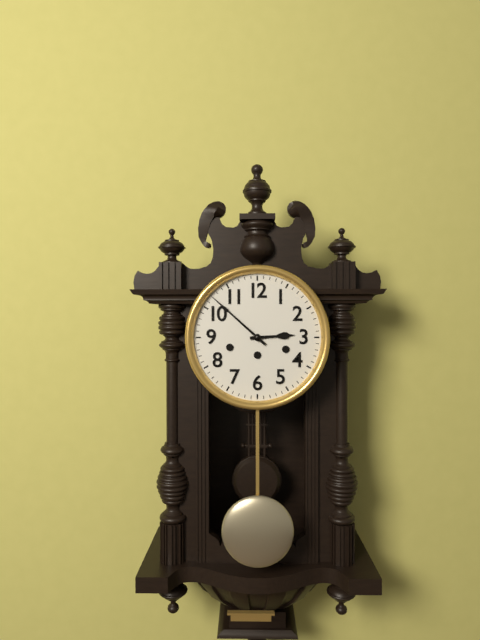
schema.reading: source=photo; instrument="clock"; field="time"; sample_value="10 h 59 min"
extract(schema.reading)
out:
2 h 52 min
